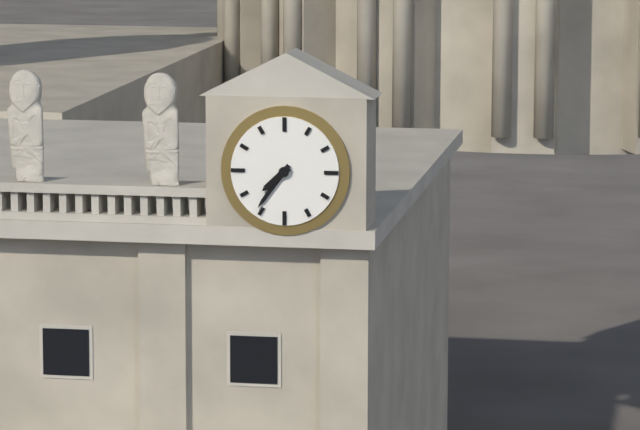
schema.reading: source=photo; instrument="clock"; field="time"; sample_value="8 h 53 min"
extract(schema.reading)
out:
7 h 36 min
